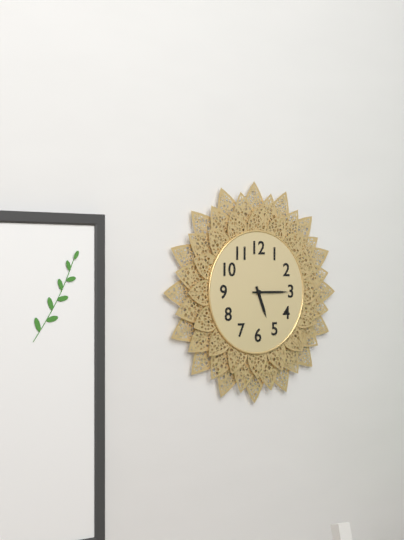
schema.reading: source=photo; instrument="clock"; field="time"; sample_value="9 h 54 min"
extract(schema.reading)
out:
5 h 15 min
